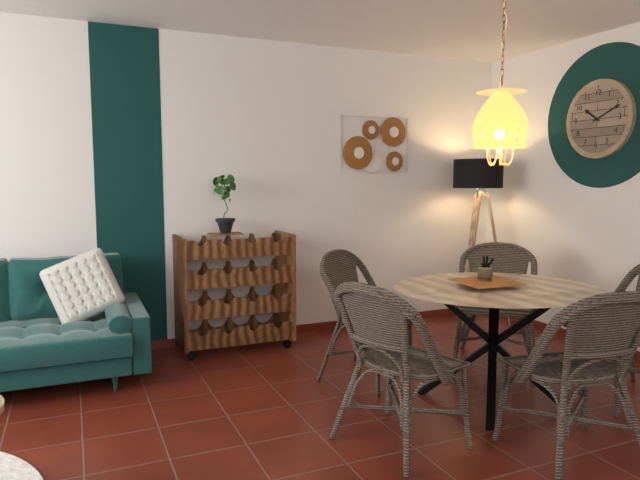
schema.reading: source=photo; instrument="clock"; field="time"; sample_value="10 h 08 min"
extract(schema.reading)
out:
10 h 11 min
